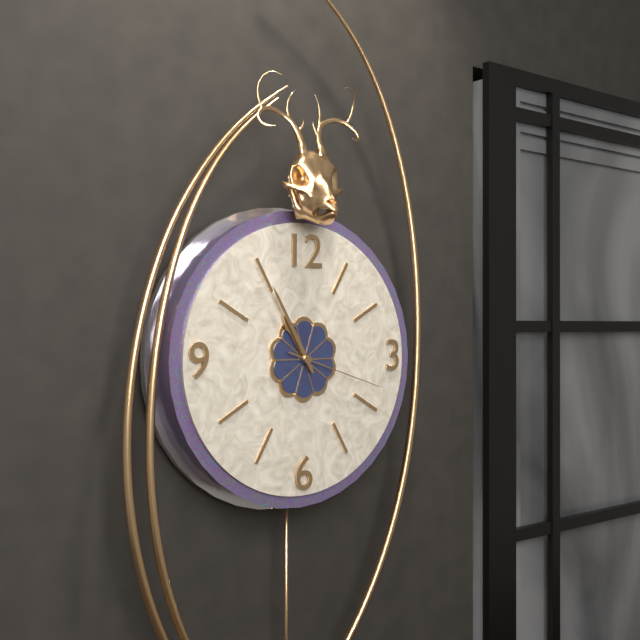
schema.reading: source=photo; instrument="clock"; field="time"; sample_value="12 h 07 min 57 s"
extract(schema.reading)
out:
10 h 55 min 18 s
